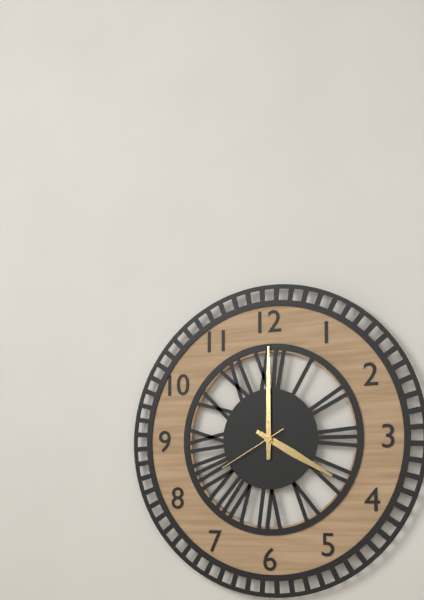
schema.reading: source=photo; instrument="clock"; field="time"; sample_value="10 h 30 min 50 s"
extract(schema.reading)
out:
4 h 00 min 40 s
